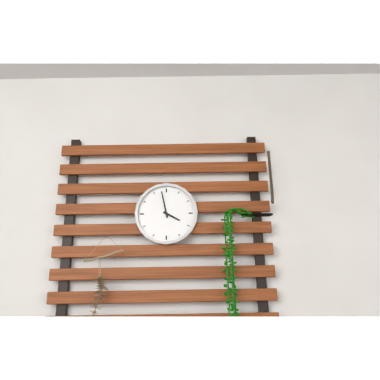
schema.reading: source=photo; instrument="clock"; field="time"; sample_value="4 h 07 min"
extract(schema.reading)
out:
3 h 58 min
